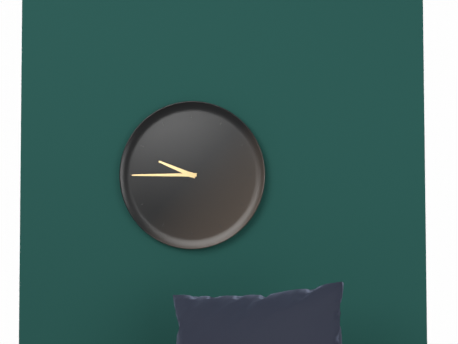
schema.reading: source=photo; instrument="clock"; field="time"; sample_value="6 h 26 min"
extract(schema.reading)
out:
9 h 45 min
